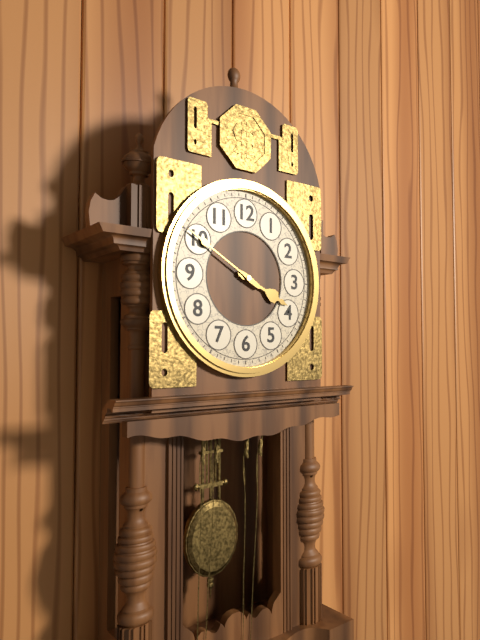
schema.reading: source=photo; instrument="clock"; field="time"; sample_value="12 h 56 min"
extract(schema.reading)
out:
3 h 50 min
